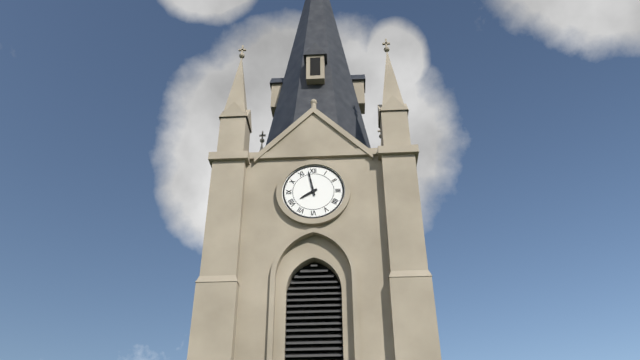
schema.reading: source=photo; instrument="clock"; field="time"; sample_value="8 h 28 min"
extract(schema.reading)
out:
7 h 58 min
